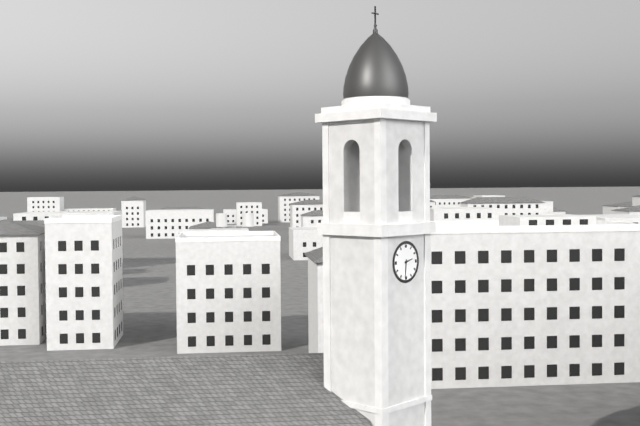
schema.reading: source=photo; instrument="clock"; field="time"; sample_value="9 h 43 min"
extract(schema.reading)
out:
2 h 31 min
